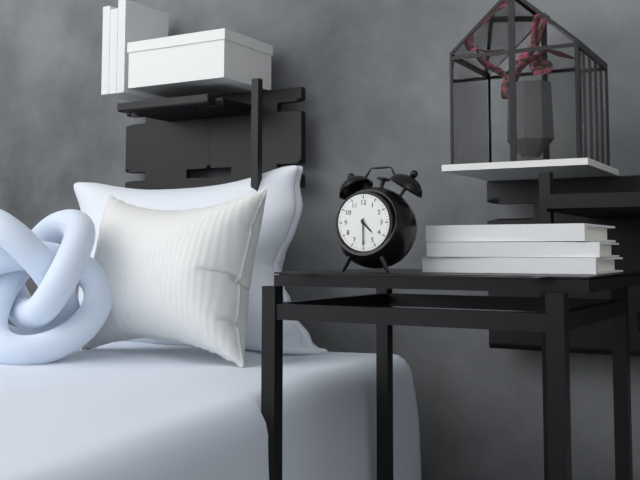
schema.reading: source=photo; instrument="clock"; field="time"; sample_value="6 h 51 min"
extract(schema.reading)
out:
4 h 30 min
